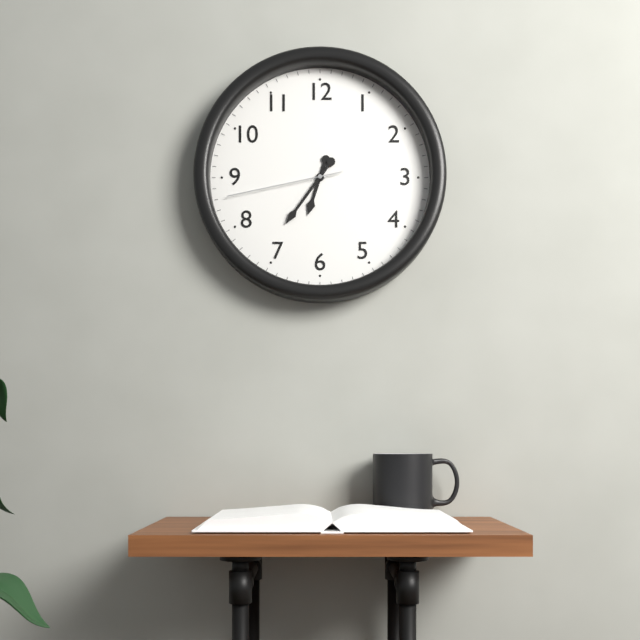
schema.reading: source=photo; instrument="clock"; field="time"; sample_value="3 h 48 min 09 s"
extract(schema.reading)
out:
6 h 36 min 43 s
